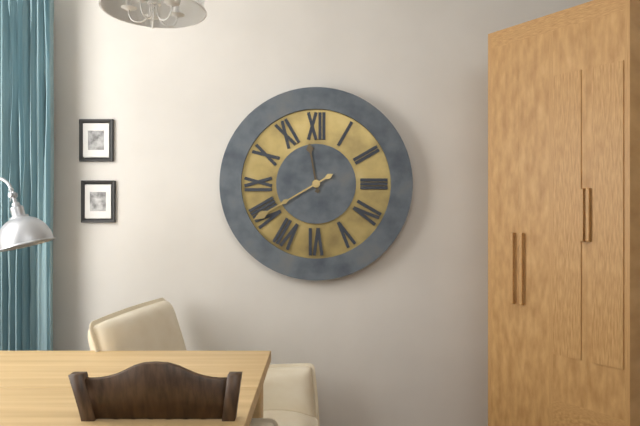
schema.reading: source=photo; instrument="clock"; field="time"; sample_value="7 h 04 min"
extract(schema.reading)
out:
11 h 40 min
